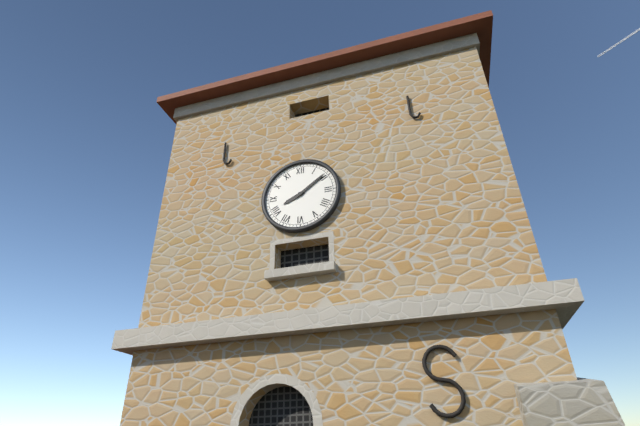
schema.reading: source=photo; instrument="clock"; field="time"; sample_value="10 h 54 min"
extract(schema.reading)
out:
8 h 09 min
